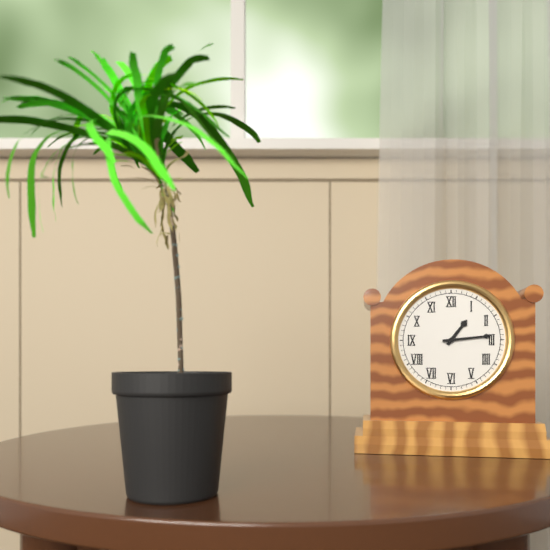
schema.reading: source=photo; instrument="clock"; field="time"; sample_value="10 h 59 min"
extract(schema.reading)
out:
1 h 14 min
